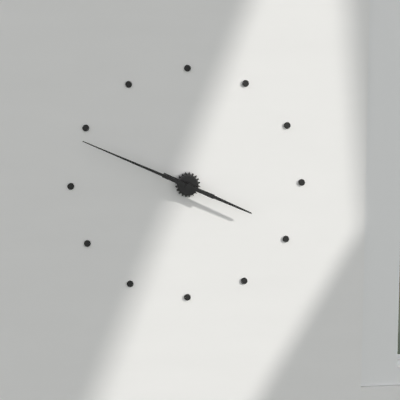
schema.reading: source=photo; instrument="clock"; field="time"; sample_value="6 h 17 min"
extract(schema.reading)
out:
3 h 49 min
